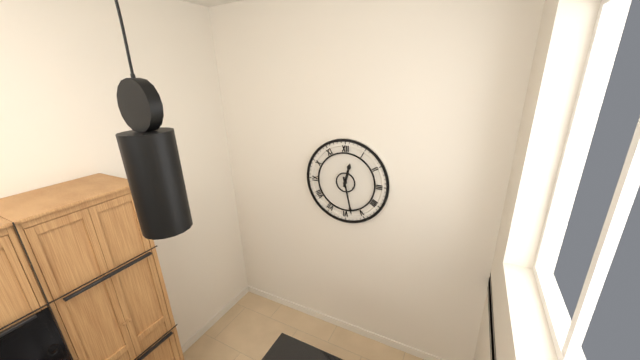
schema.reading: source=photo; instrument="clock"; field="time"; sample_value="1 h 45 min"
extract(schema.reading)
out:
12 h 28 min
